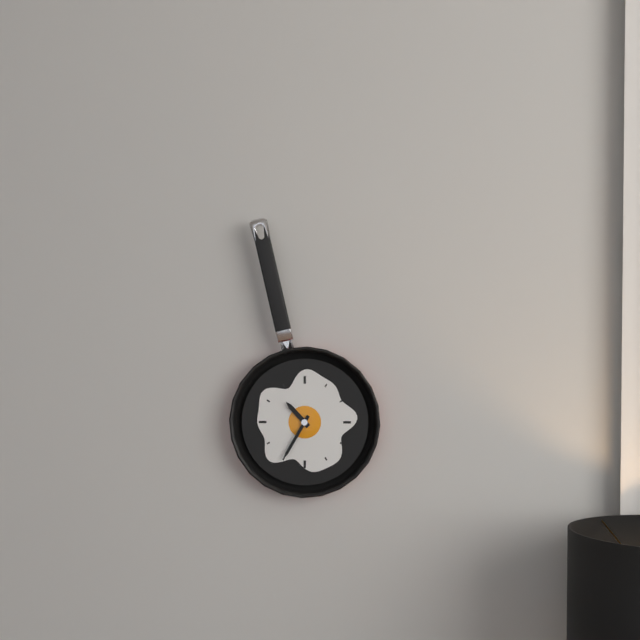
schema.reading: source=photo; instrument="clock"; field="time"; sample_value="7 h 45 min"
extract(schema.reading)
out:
10 h 35 min
